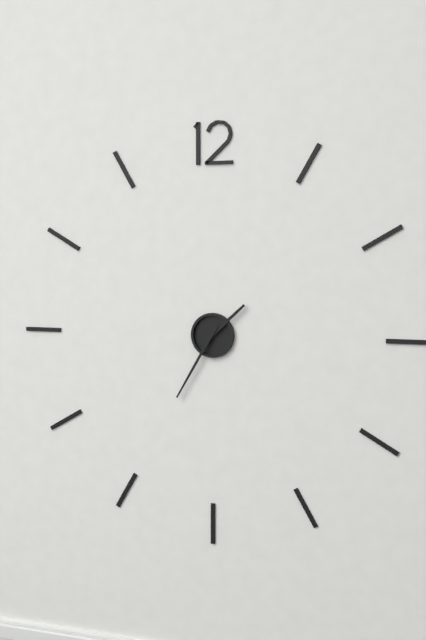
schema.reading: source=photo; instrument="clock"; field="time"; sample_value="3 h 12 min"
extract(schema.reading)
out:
1 h 35 min
